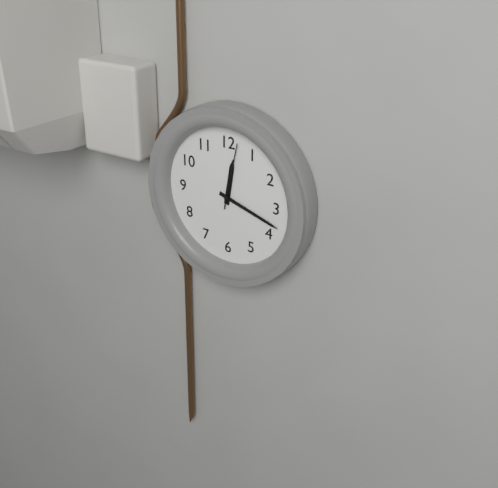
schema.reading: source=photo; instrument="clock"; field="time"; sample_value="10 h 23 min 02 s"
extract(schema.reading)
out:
12 h 18 min 02 s
